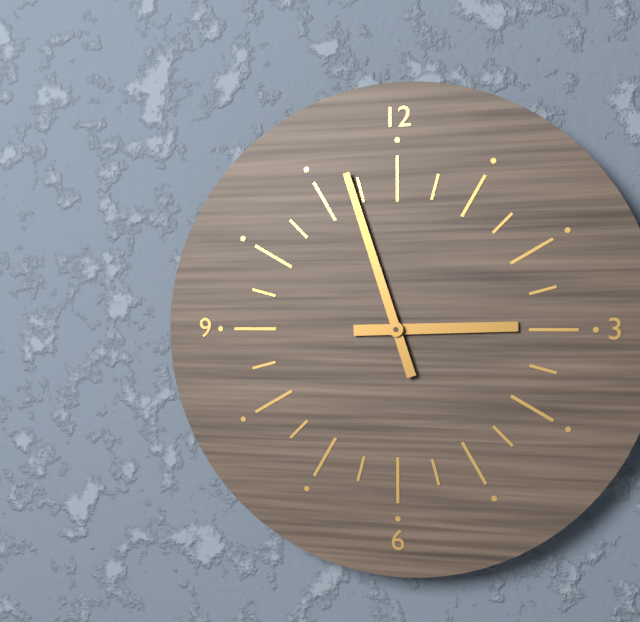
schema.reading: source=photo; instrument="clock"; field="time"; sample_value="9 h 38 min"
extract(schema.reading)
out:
2 h 57 min
